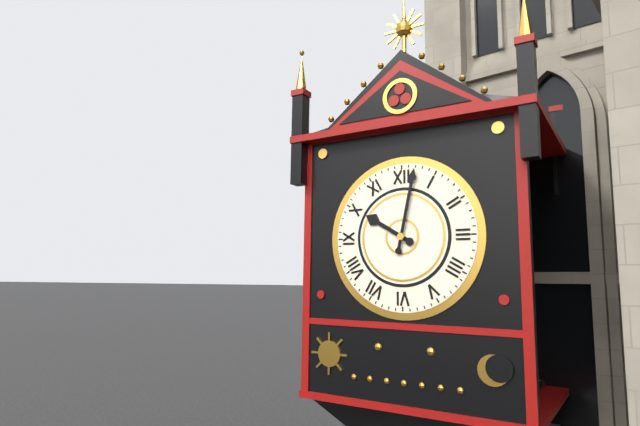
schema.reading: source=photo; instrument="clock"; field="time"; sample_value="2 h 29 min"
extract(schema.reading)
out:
10 h 02 min
